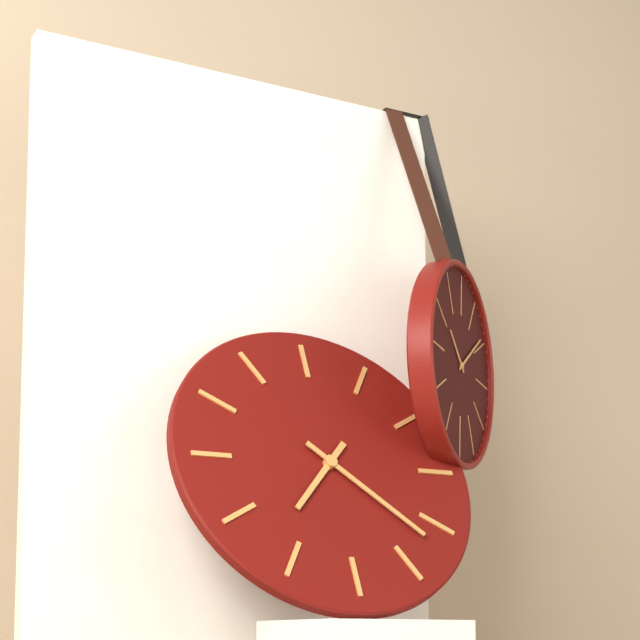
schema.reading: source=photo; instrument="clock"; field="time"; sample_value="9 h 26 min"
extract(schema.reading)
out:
7 h 22 min
